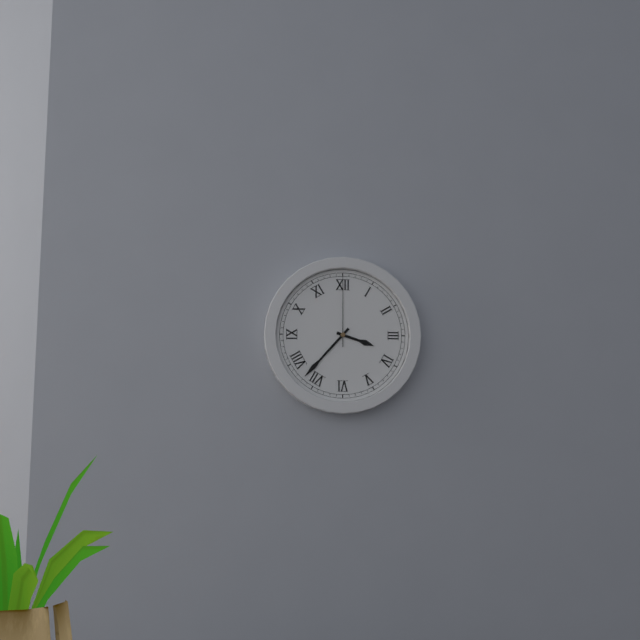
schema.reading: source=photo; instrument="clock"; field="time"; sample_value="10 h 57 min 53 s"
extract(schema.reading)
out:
3 h 37 min 00 s
